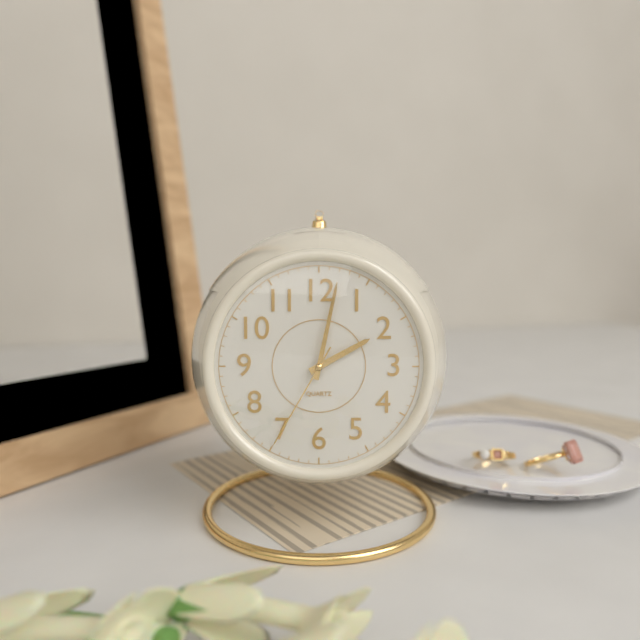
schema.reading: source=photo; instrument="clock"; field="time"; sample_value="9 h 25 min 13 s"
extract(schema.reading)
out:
2 h 02 min 35 s
